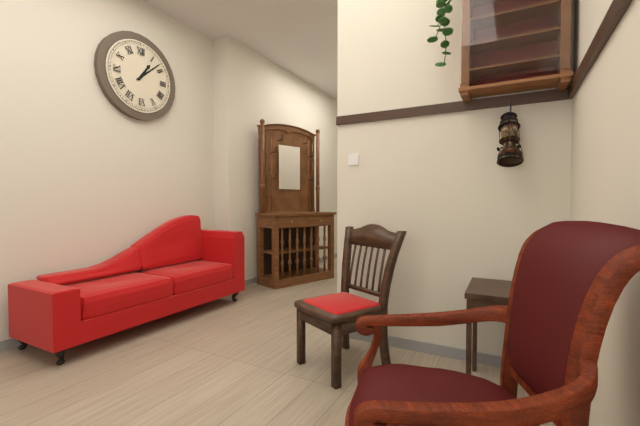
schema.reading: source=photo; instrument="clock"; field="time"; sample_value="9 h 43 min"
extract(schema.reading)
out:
1 h 08 min
